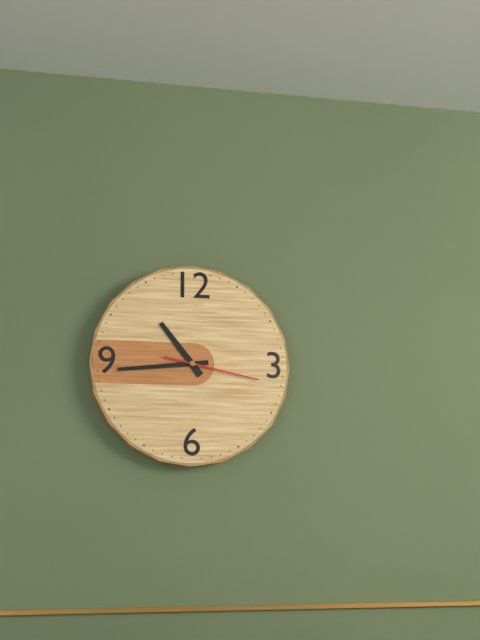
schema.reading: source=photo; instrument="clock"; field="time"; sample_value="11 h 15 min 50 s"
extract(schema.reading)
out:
10 h 44 min 17 s
